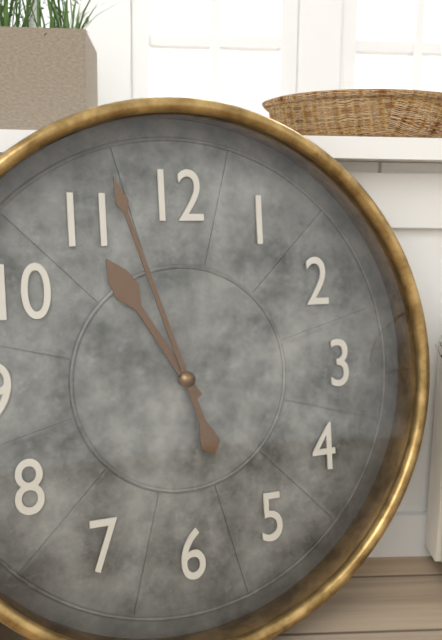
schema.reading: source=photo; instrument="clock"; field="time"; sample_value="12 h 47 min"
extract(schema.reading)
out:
10 h 57 min
